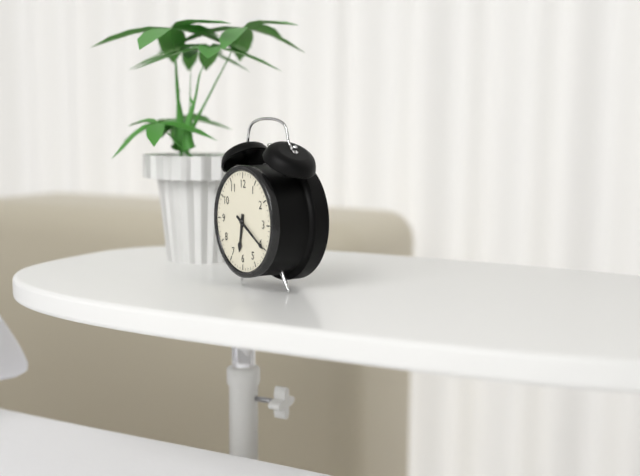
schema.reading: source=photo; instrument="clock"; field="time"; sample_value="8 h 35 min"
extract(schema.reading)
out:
6 h 20 min
